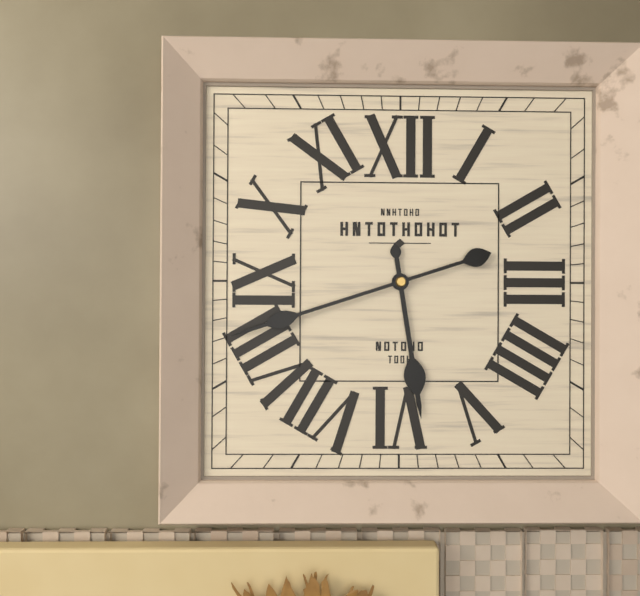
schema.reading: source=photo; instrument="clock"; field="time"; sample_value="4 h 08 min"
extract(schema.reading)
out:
5 h 42 min
